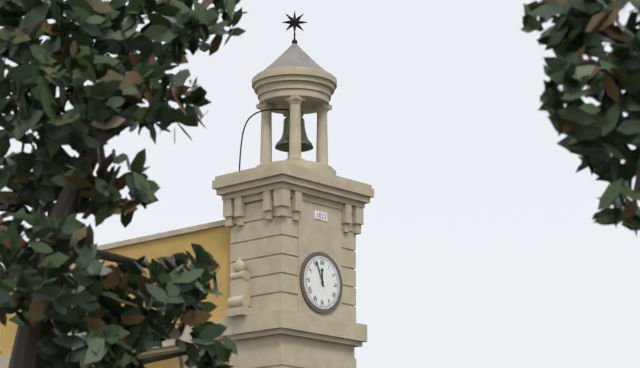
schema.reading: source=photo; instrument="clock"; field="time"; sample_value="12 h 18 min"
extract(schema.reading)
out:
11 h 56 min
